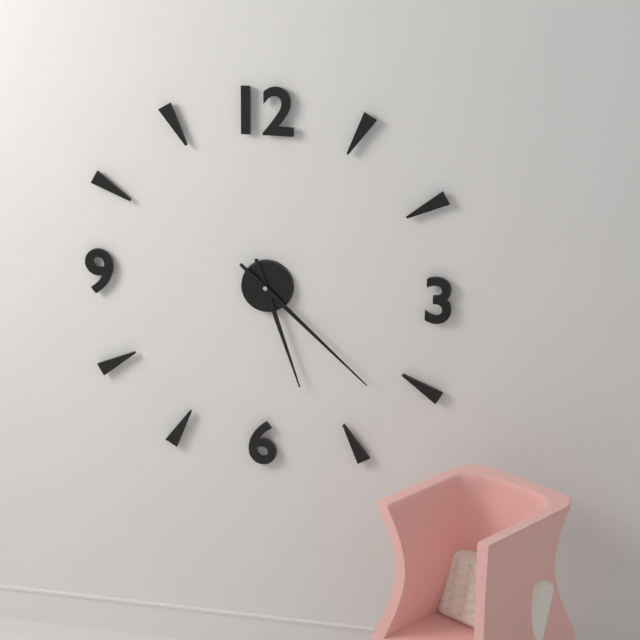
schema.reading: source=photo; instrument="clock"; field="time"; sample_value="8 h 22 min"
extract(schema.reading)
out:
5 h 22 min
